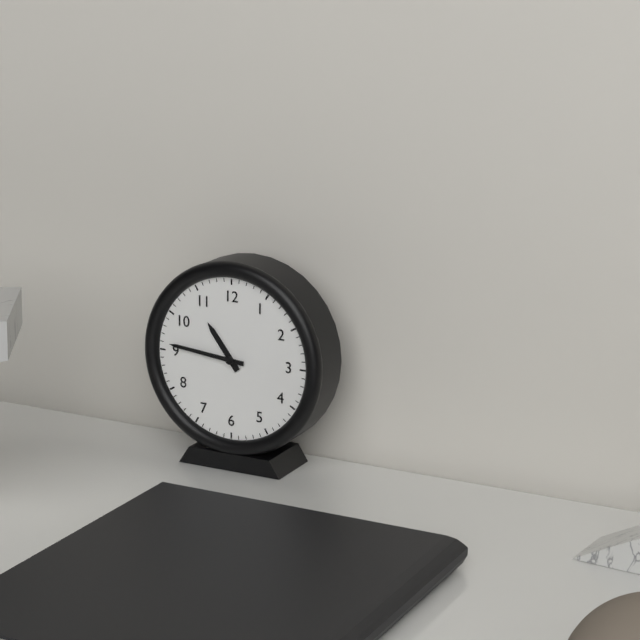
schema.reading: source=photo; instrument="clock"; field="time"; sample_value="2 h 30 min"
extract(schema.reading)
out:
10 h 46 min
